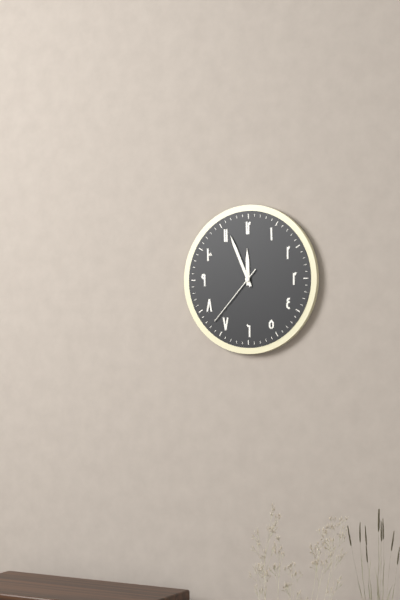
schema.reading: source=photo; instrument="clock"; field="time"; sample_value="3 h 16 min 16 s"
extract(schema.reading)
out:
11 h 56 min 37 s
